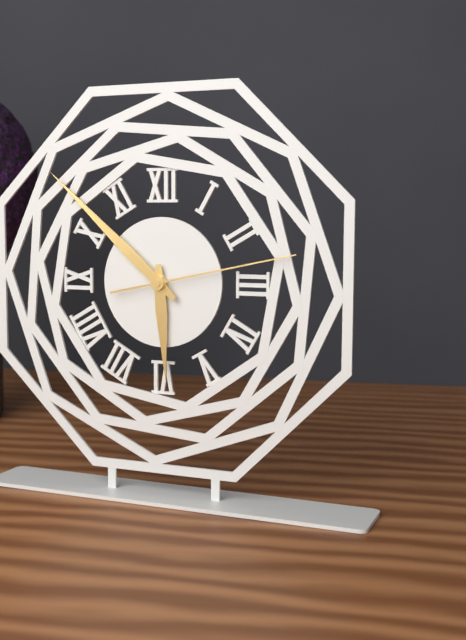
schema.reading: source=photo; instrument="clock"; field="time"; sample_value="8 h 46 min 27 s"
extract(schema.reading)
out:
5 h 52 min 13 s
